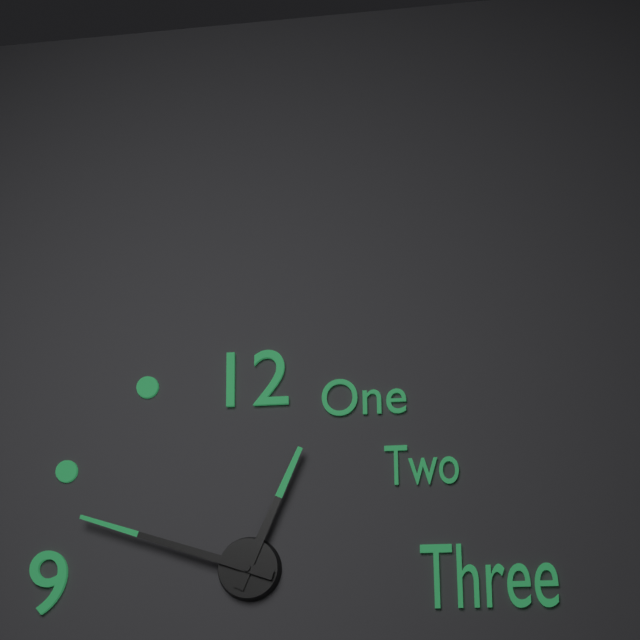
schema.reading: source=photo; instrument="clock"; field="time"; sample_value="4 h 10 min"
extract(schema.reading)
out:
12 h 48 min
